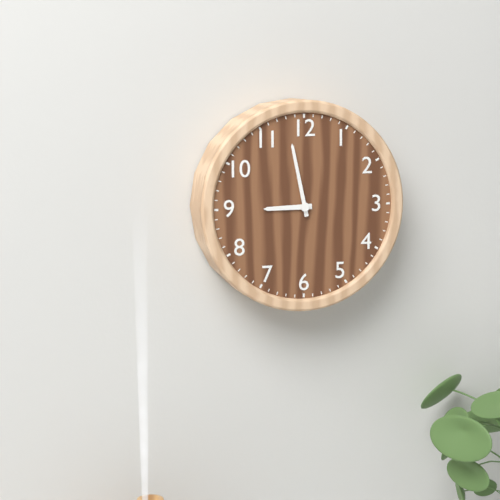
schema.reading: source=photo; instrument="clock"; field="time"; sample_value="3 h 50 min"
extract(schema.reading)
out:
8 h 58 min
